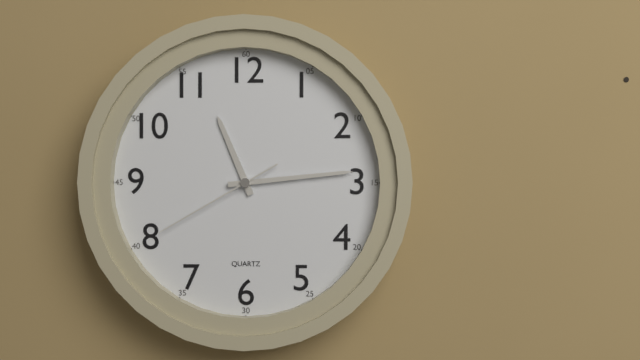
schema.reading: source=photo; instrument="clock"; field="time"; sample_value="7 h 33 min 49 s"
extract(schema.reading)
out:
11 h 14 min 40 s
